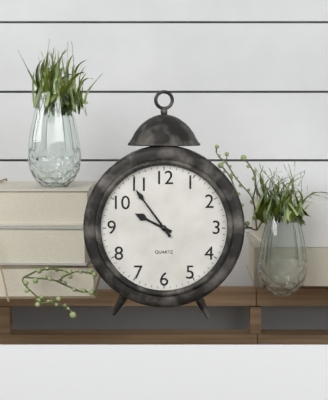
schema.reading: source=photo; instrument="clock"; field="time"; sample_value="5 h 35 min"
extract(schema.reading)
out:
9 h 54 min
